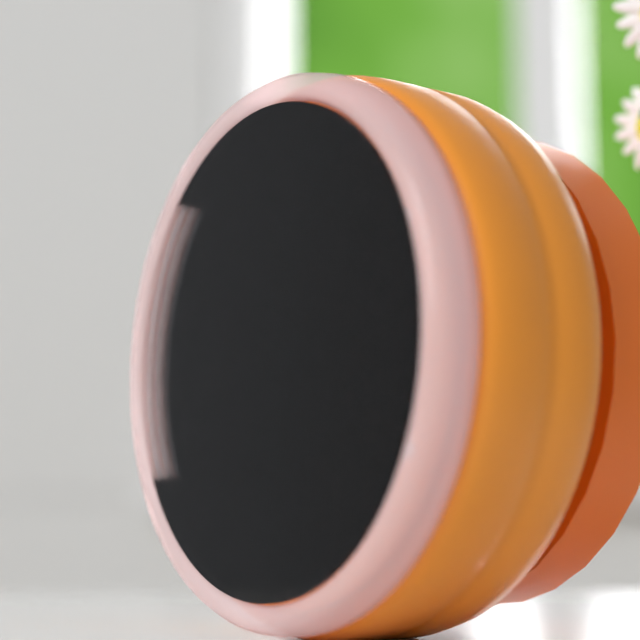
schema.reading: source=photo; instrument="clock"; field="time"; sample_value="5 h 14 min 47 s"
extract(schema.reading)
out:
3 h 53 min 23 s
